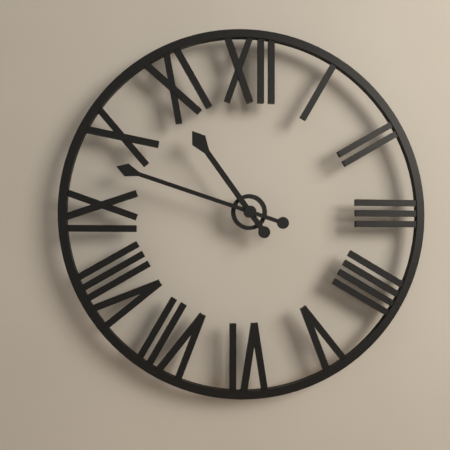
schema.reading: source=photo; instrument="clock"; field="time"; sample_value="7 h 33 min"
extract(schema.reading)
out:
10 h 48 min
